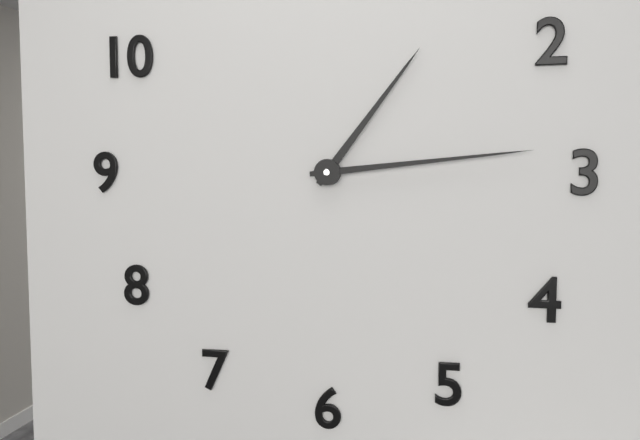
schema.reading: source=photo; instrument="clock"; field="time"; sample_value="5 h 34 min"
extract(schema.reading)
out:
1 h 14 min
